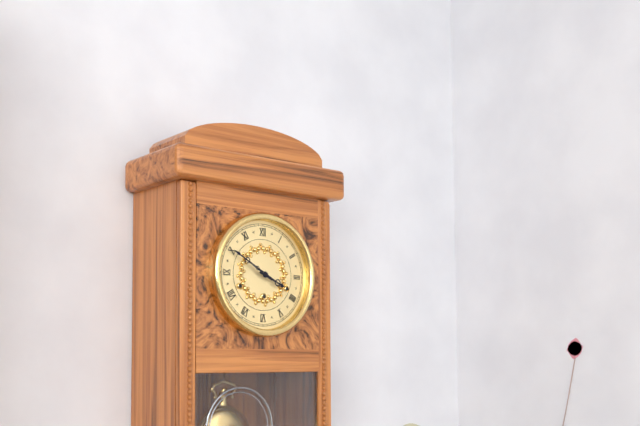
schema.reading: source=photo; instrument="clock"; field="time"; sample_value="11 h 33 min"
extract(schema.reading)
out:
3 h 50 min
